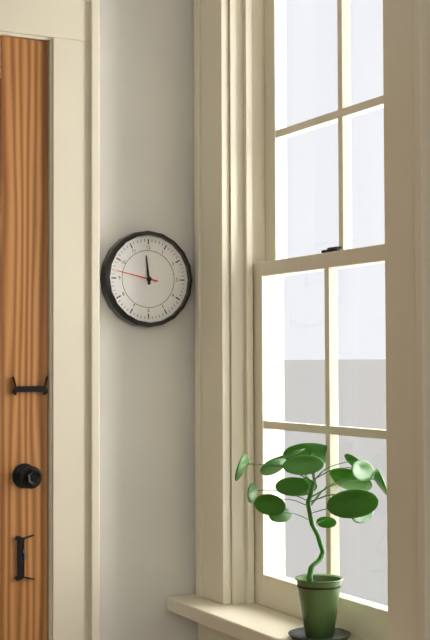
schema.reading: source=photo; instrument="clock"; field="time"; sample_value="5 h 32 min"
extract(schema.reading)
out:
11 h 47 min
